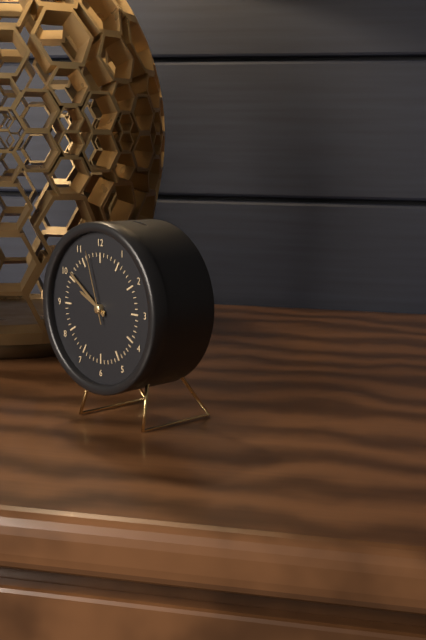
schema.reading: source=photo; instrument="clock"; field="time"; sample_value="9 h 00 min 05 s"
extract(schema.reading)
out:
9 h 51 min 57 s
